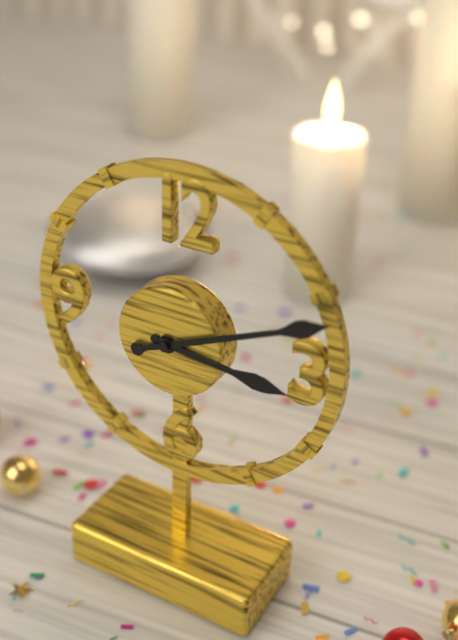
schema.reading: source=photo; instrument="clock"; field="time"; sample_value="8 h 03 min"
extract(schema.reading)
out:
3 h 11 min
